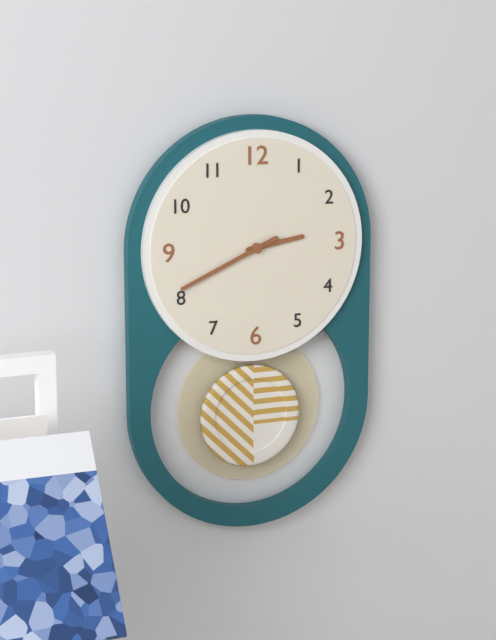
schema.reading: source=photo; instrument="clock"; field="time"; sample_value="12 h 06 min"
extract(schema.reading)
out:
2 h 41 min
